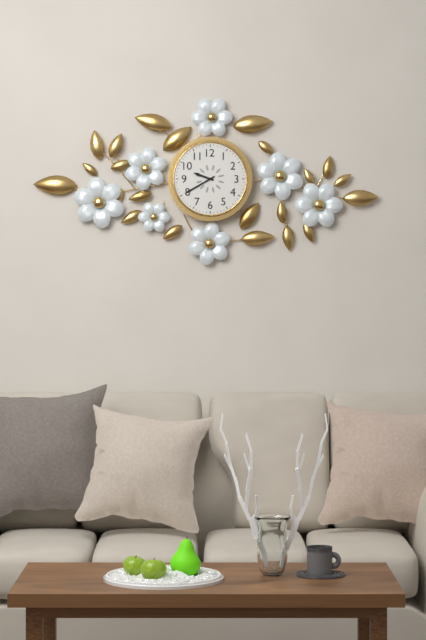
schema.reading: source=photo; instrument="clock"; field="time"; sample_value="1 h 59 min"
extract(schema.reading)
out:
9 h 40 min
